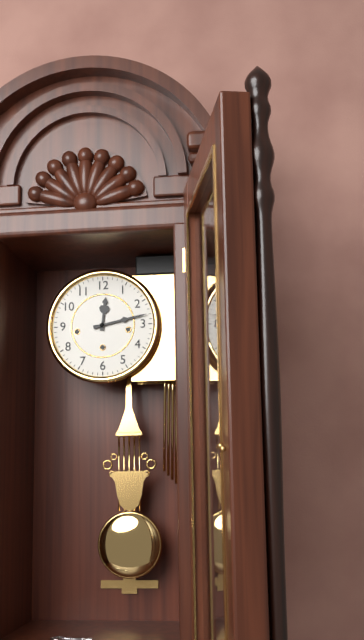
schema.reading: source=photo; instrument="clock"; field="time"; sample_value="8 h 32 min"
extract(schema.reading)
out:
12 h 13 min
